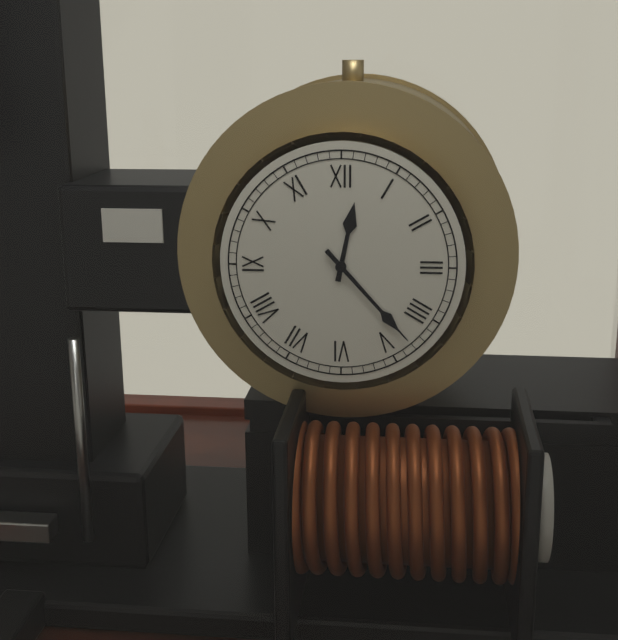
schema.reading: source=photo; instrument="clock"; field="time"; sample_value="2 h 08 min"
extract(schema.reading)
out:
12 h 23 min
